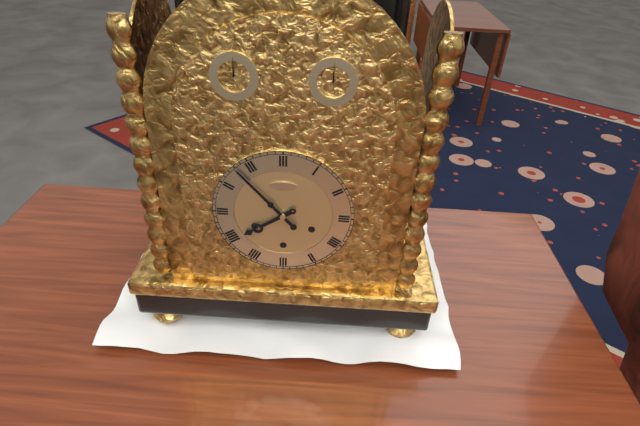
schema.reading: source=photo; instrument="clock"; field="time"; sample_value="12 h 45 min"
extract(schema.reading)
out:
7 h 53 min
